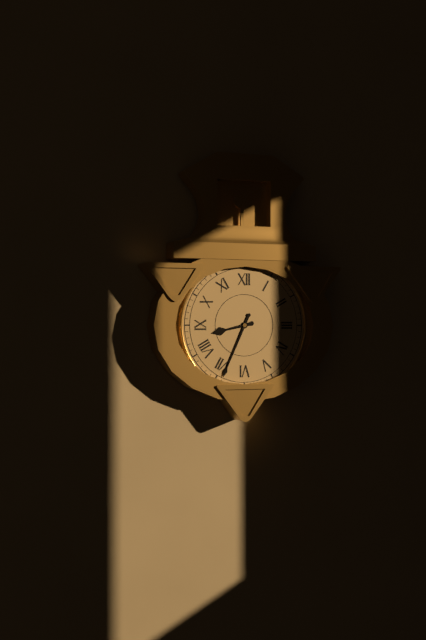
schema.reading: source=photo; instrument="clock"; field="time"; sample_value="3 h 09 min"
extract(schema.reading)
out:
8 h 34 min
